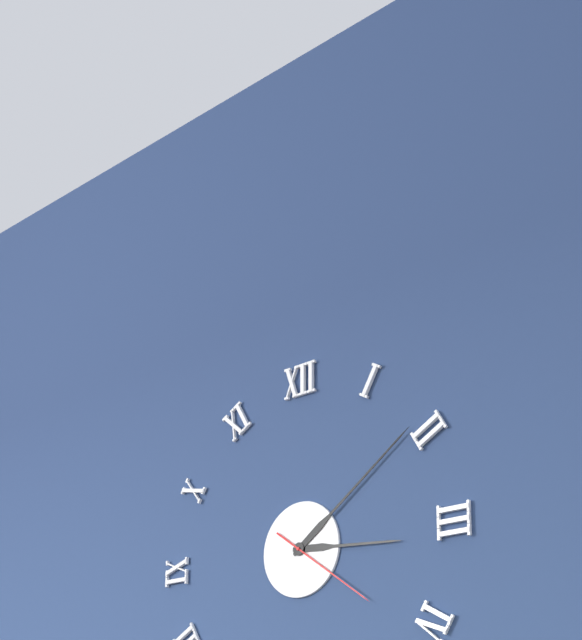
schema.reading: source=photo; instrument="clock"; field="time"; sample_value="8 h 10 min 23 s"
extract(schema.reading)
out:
3 h 09 min 21 s
